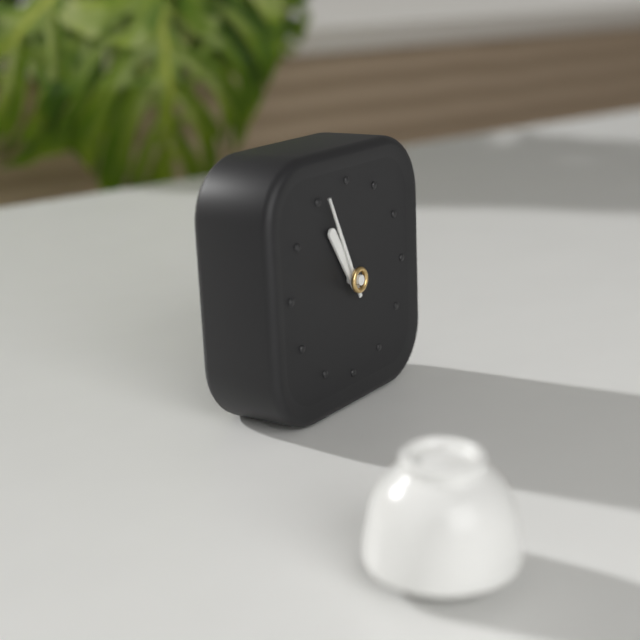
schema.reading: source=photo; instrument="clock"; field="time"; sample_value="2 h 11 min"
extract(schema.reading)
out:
10 h 56 min
